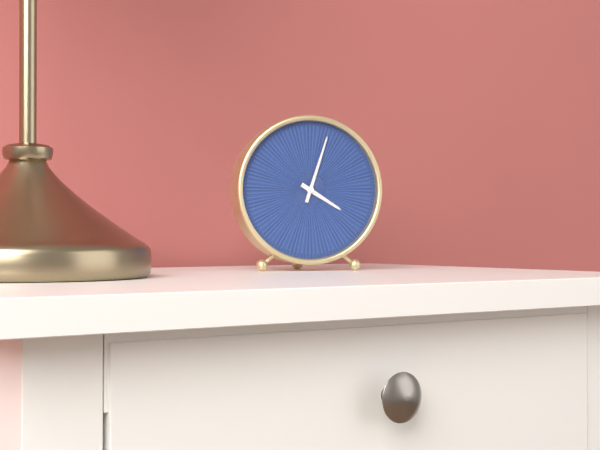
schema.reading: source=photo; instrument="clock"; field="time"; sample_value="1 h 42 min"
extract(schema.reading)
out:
4 h 03 min
